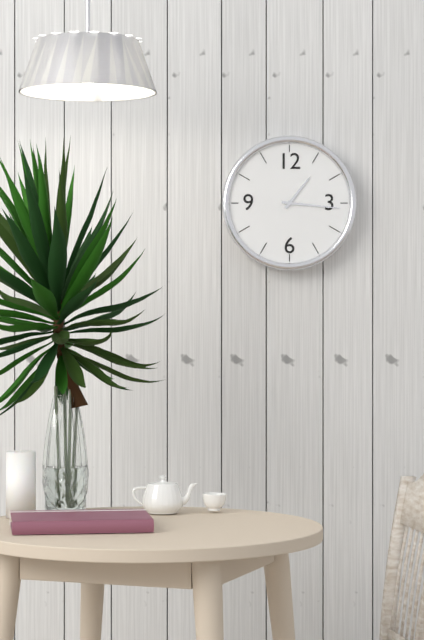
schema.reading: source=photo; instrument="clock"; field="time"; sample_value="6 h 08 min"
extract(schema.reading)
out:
1 h 16 min
